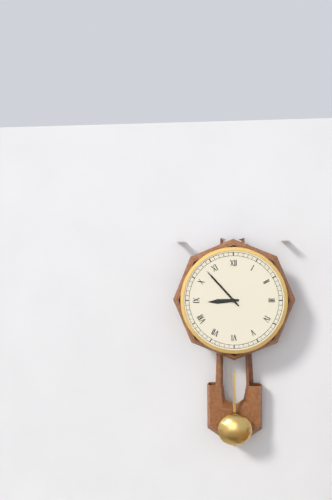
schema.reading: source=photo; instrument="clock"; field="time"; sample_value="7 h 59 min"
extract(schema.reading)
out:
8 h 53 min
